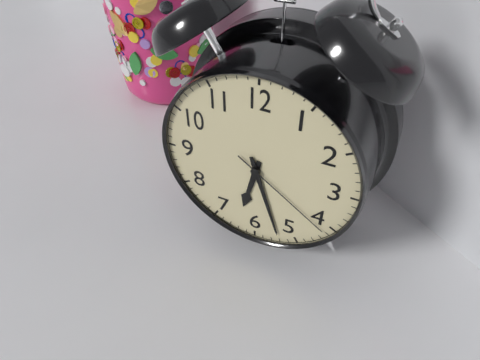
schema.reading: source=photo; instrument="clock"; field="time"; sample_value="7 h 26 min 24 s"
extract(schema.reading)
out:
6 h 27 min 21 s
